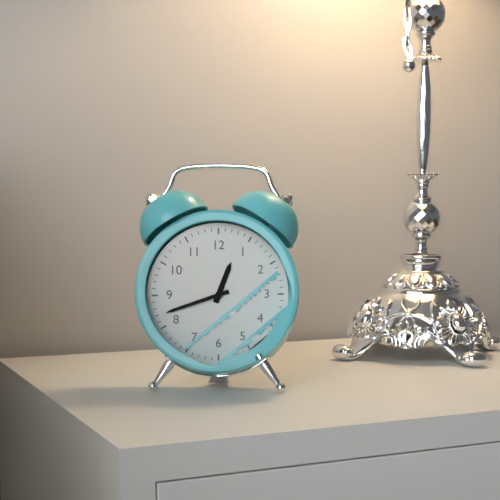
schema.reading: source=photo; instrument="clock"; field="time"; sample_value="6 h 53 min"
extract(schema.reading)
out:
12 h 42 min
